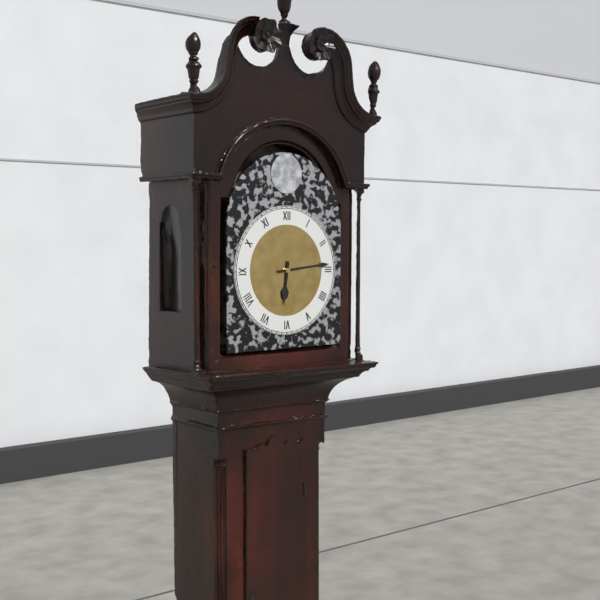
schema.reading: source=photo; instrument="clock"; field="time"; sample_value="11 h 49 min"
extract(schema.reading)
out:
6 h 14 min
